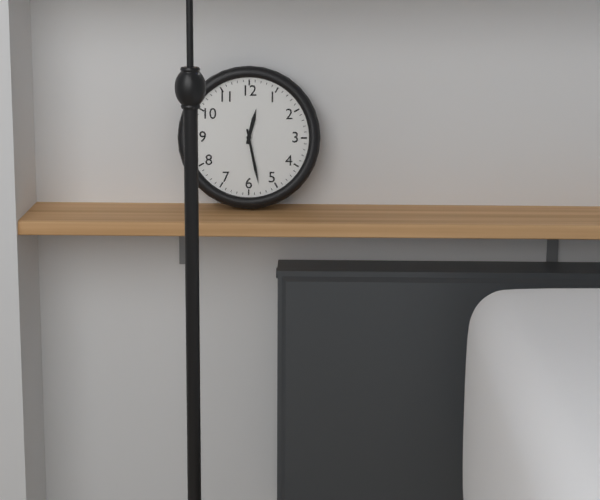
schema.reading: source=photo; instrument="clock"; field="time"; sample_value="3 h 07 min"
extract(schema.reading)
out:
12 h 28 min
